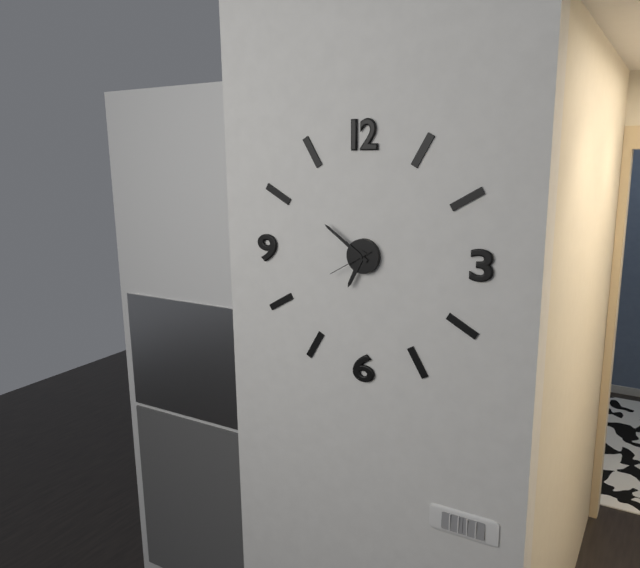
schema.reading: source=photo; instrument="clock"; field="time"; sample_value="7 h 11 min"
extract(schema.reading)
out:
6 h 51 min
